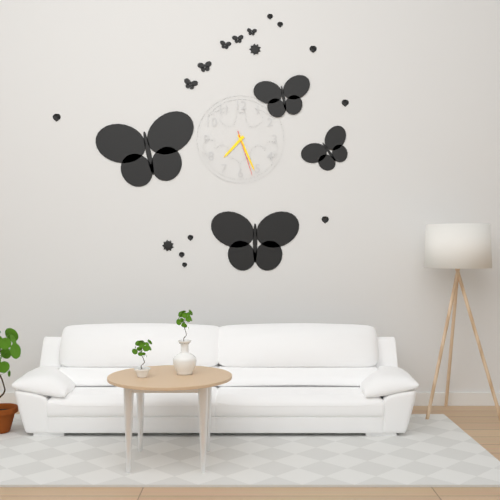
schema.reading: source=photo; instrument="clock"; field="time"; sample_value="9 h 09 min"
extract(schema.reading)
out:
7 h 26 min
